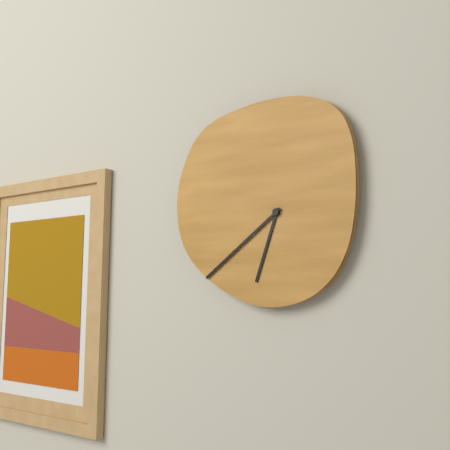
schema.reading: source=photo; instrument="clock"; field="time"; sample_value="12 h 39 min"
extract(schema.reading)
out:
6 h 39 min
